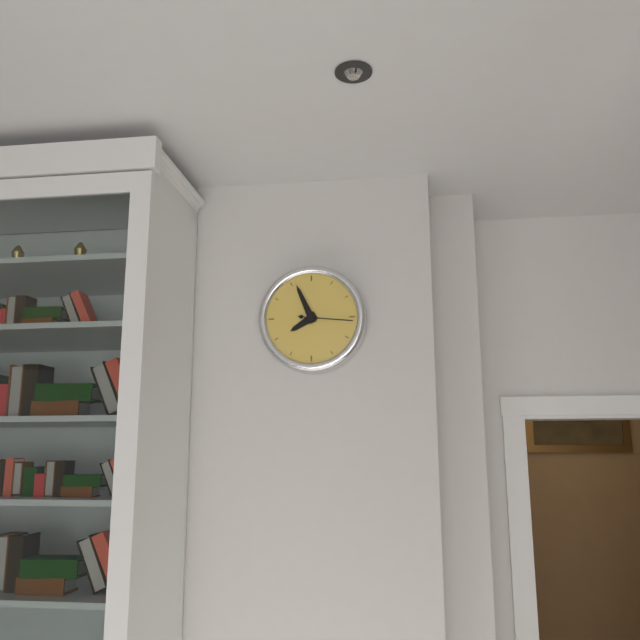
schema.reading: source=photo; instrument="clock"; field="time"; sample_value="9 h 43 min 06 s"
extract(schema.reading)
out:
7 h 56 min 16 s
